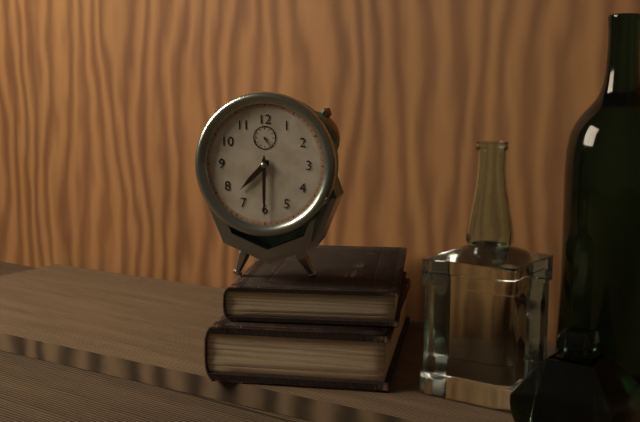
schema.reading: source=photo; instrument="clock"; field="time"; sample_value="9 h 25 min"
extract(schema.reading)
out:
7 h 30 min
